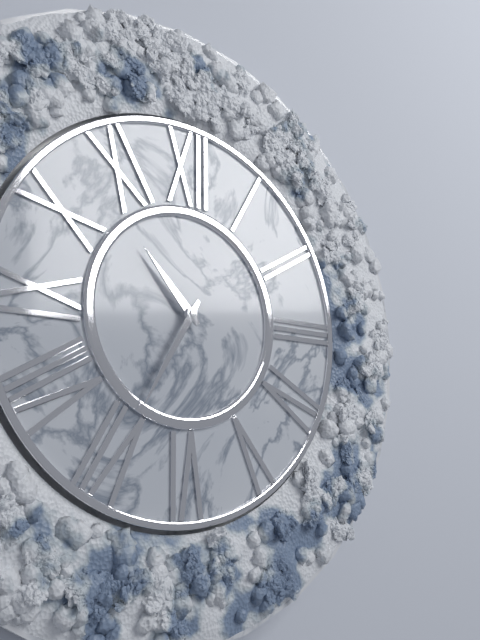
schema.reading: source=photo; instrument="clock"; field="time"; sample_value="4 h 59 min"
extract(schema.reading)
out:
10 h 35 min
